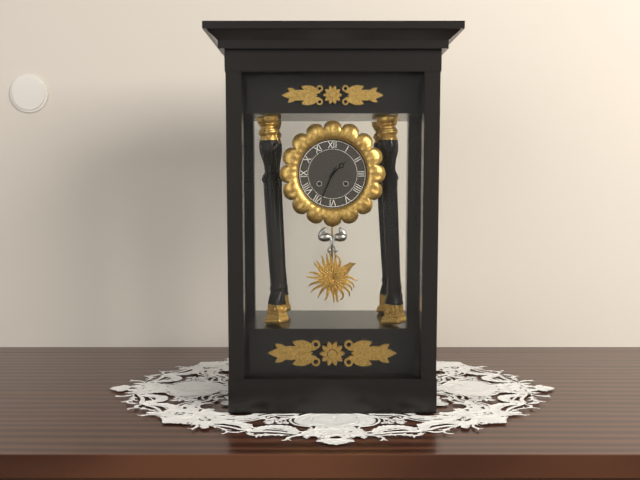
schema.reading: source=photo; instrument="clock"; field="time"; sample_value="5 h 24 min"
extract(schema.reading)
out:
1 h 34 min
